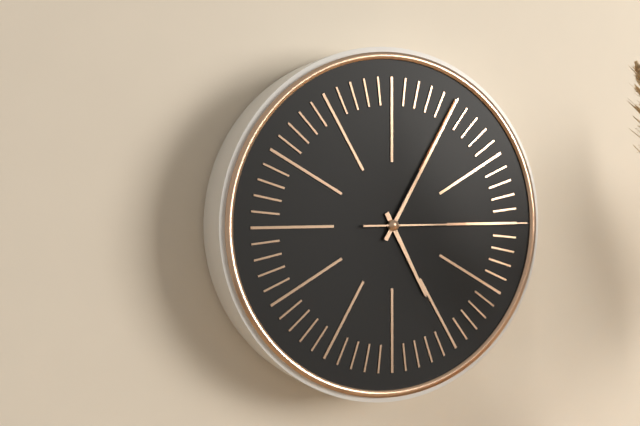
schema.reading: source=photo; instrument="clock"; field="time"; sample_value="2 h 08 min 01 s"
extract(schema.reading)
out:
5 h 05 min 15 s
